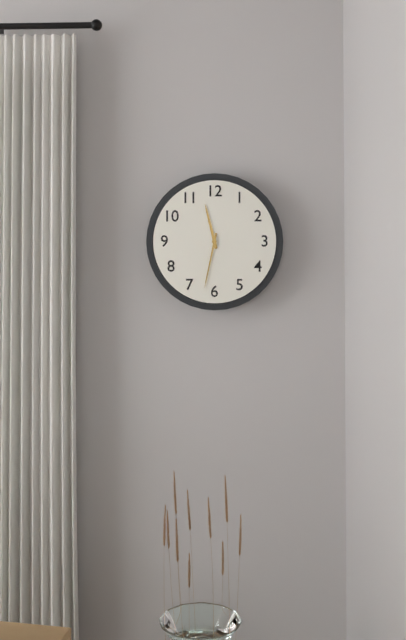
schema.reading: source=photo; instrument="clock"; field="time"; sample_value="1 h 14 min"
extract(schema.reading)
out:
11 h 32 min
